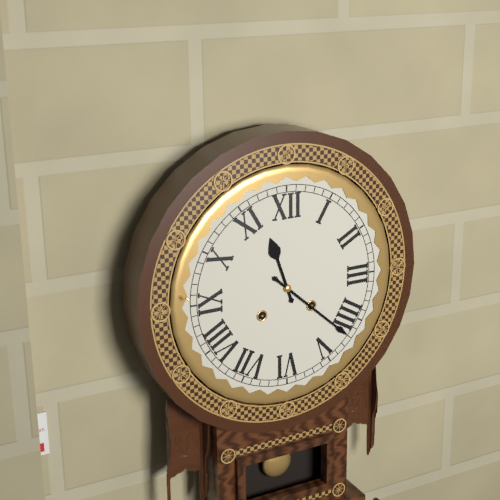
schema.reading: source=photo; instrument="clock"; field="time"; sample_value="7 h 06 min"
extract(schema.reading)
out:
11 h 22 min
